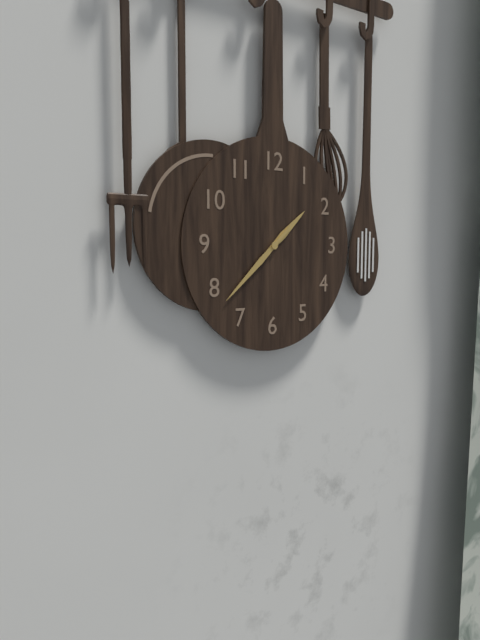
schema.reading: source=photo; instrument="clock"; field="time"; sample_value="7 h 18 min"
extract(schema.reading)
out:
1 h 38 min
